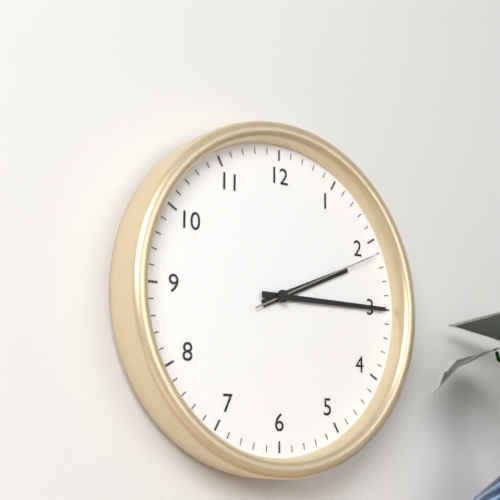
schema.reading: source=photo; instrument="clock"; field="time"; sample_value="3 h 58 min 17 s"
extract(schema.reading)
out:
2 h 15 min 11 s
